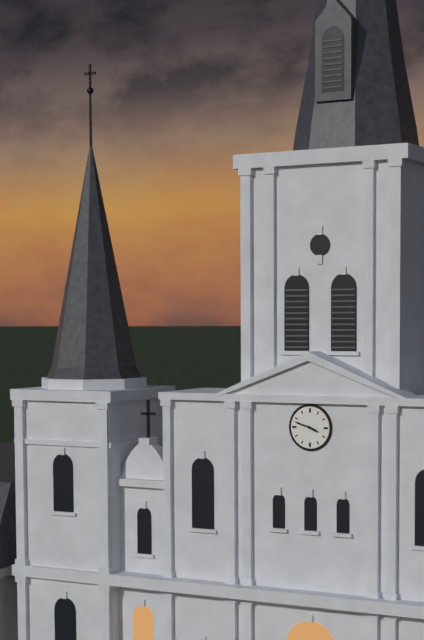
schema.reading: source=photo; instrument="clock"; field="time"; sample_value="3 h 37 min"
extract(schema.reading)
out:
3 h 48 min
